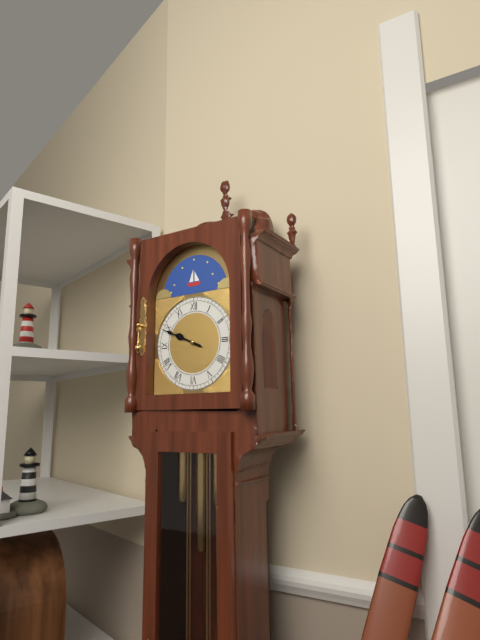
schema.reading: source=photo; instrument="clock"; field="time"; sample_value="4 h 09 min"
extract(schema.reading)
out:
9 h 49 min
